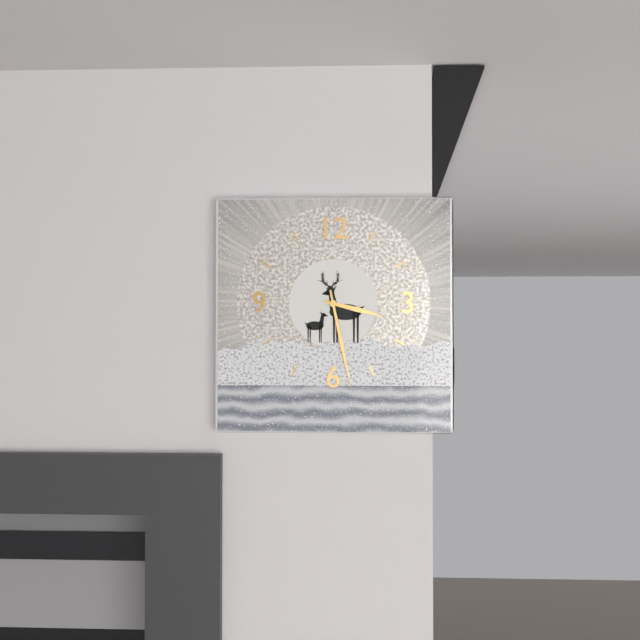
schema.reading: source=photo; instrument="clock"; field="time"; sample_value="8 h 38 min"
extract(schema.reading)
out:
3 h 28 min
